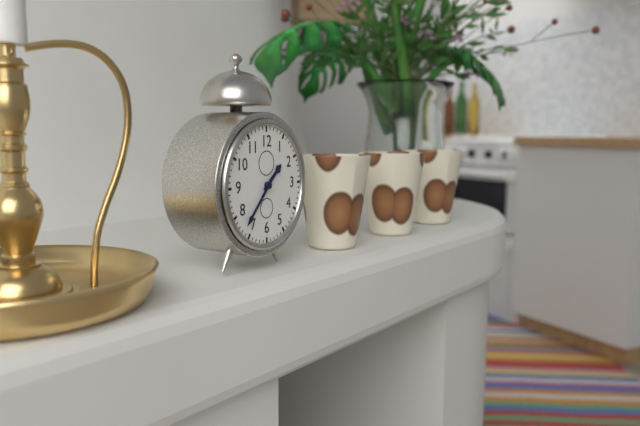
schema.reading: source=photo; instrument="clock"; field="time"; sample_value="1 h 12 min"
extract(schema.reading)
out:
1 h 37 min
